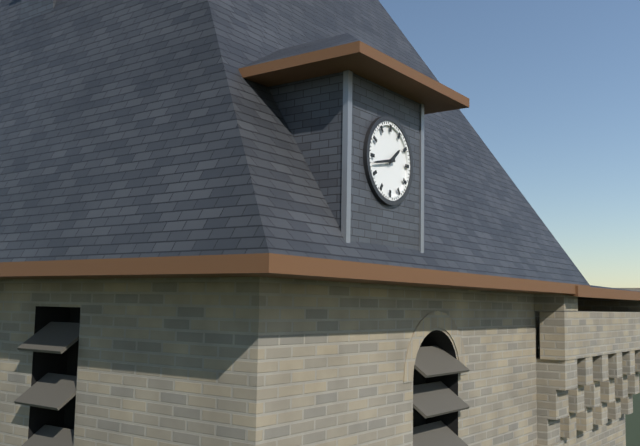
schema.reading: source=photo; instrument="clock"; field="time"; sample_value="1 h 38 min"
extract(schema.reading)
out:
1 h 43 min
